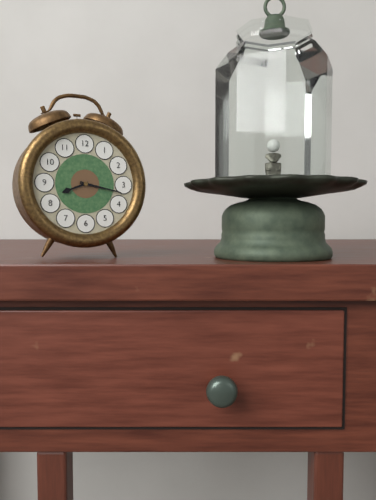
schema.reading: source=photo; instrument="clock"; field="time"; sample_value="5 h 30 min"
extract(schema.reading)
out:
8 h 17 min
